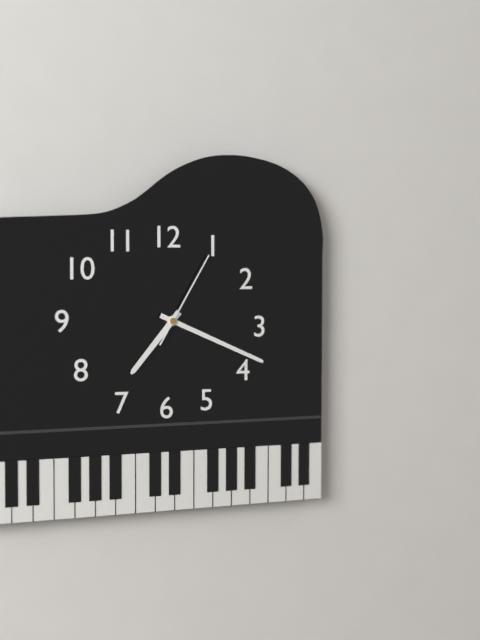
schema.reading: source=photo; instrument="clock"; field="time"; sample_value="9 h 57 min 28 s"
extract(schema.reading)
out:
7 h 19 min 05 s
